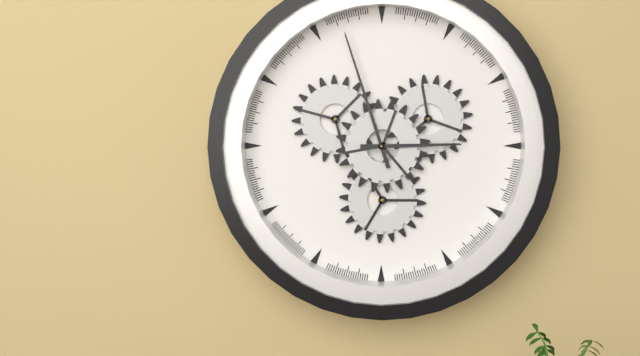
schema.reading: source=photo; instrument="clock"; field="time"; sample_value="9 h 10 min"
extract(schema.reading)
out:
2 h 57 min
